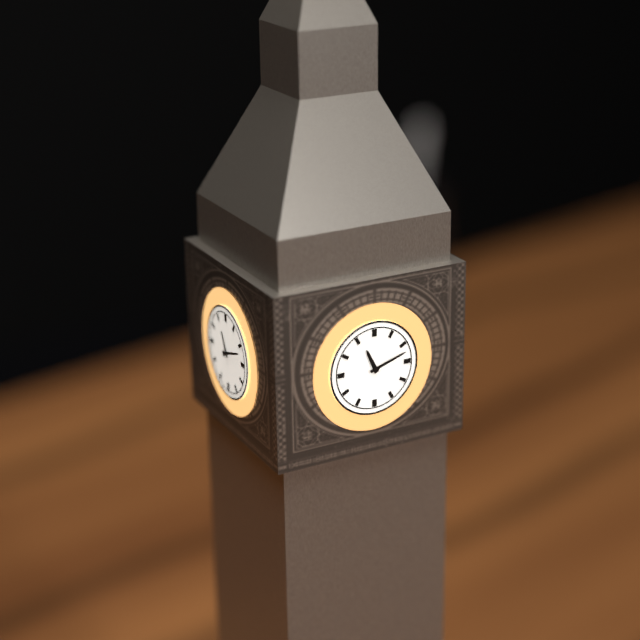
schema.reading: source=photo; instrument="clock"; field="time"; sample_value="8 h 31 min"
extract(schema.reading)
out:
11 h 12 min
